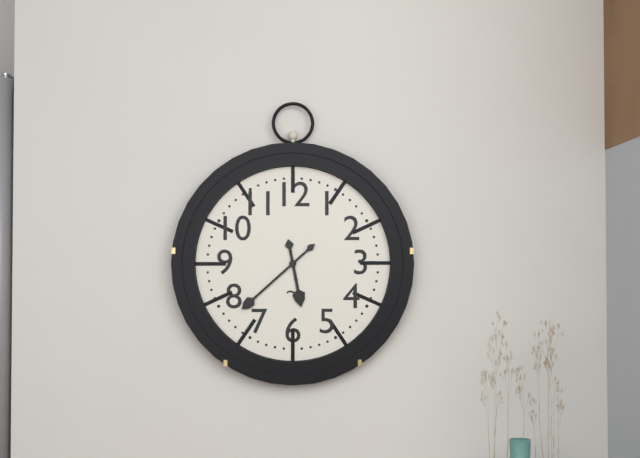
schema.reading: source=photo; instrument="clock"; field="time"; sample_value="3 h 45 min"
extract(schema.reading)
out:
5 h 38 min
